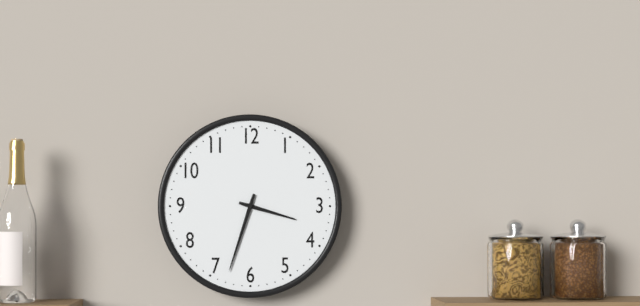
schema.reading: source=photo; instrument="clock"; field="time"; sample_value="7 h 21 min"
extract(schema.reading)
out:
3 h 33 min
